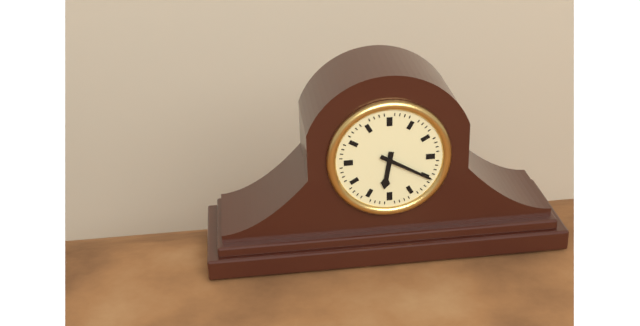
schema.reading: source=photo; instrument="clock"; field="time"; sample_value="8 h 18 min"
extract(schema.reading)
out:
6 h 20 min
